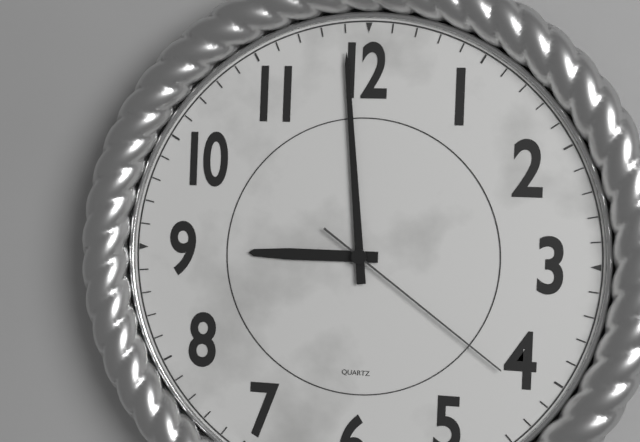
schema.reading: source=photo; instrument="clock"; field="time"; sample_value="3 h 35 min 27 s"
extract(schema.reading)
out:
8 h 59 min 21 s
